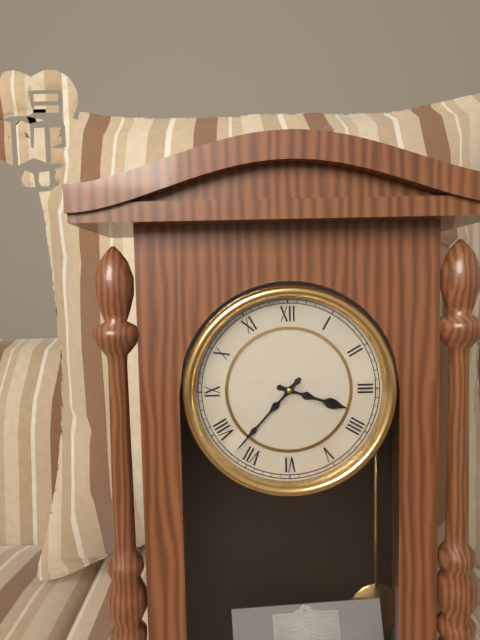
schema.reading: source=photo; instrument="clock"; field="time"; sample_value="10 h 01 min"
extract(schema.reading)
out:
3 h 37 min
